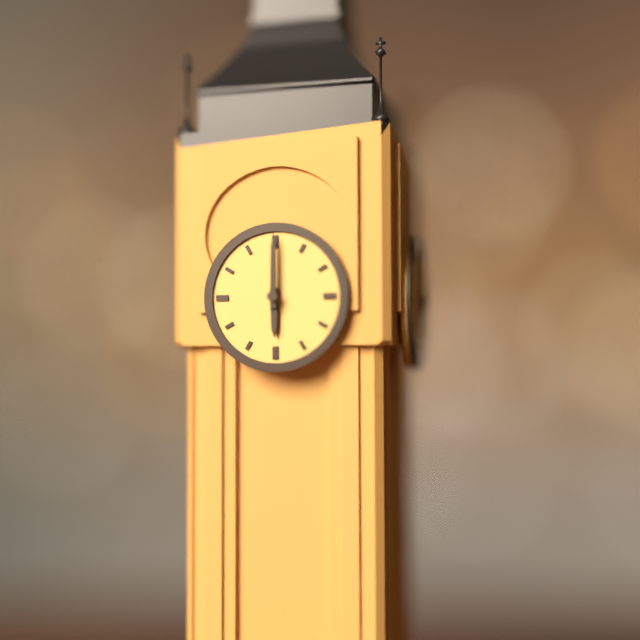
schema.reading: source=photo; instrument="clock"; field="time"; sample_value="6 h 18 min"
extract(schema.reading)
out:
6 h 00 min
